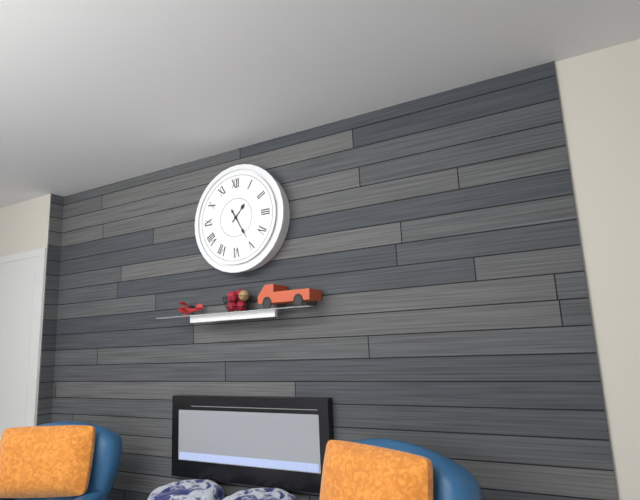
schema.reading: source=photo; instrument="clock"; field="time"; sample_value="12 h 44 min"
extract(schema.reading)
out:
1 h 25 min
